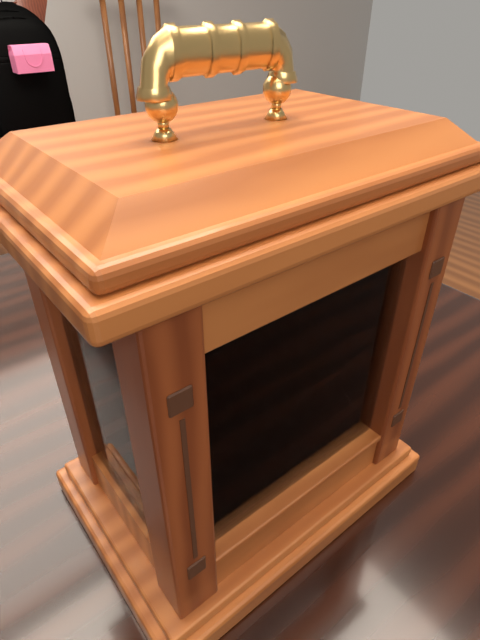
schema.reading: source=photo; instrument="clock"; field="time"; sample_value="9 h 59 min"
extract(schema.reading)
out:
12 h 49 min
